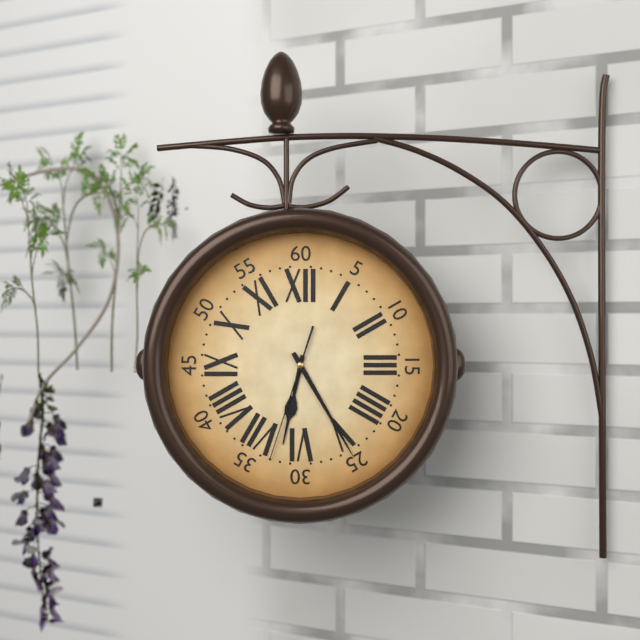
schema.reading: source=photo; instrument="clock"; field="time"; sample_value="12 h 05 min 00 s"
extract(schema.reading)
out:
6 h 25 min 33 s
